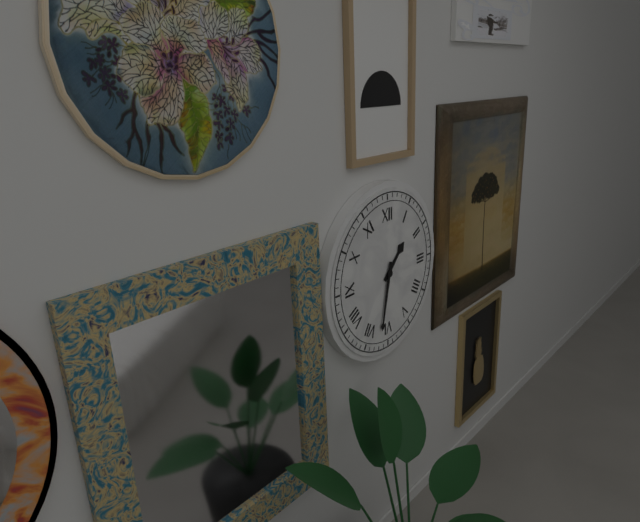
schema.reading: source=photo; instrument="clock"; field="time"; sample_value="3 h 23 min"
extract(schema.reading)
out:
1 h 32 min
